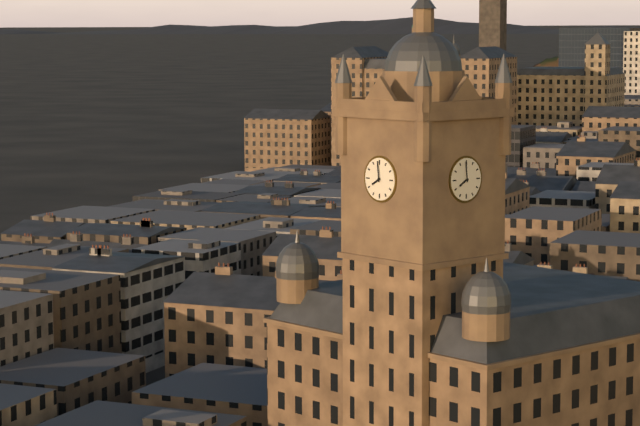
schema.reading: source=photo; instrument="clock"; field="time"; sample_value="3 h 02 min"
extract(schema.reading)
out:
7 h 59 min
